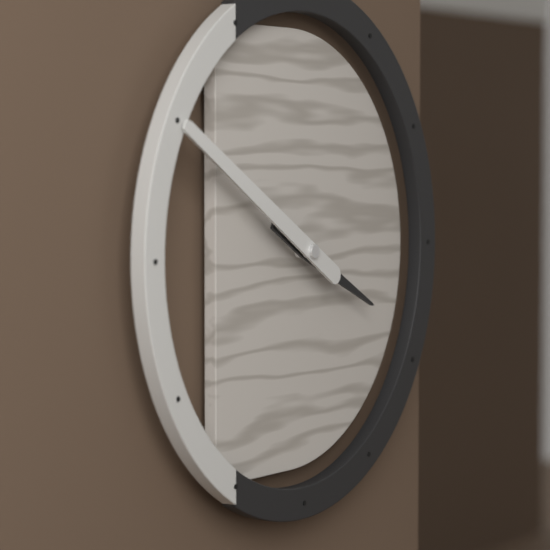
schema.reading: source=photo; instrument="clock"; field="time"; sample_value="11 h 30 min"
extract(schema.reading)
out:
3 h 50 min
